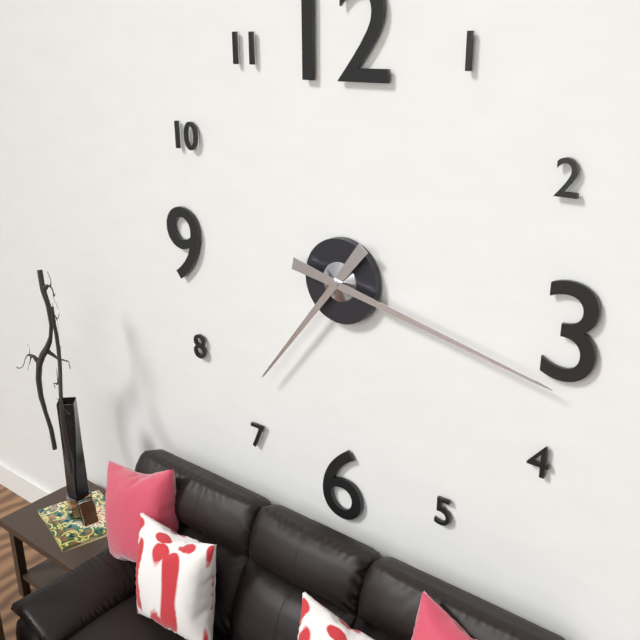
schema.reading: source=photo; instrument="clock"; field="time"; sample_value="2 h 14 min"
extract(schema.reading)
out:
7 h 17 min
